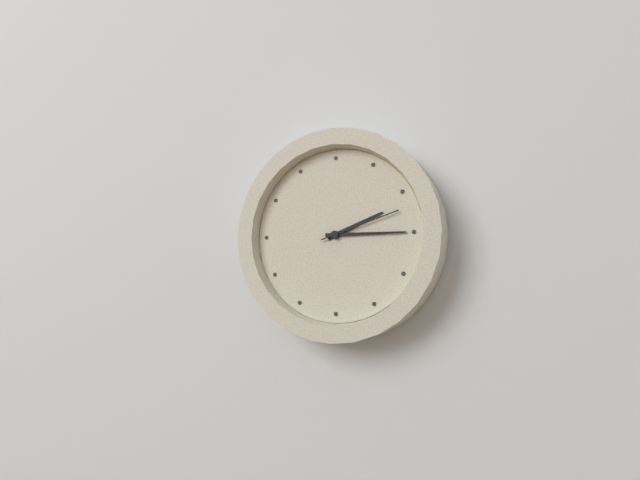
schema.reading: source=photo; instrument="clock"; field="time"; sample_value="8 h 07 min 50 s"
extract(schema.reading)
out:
2 h 15 min 12 s
